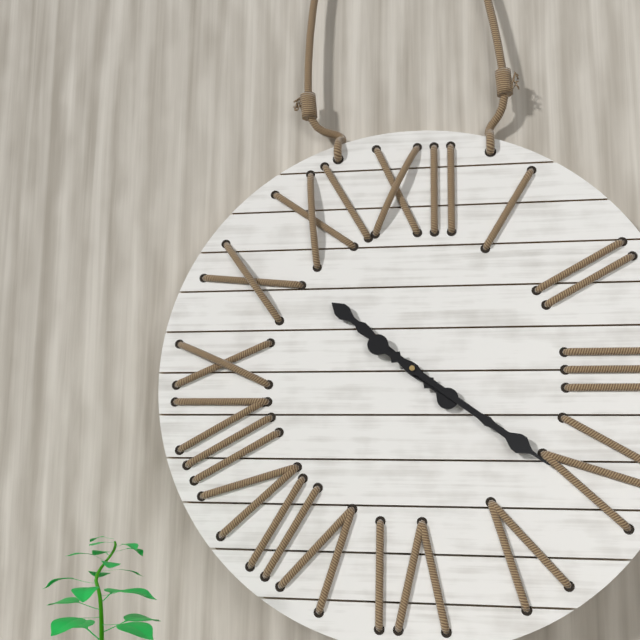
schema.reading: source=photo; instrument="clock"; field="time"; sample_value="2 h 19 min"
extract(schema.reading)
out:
10 h 21 min
